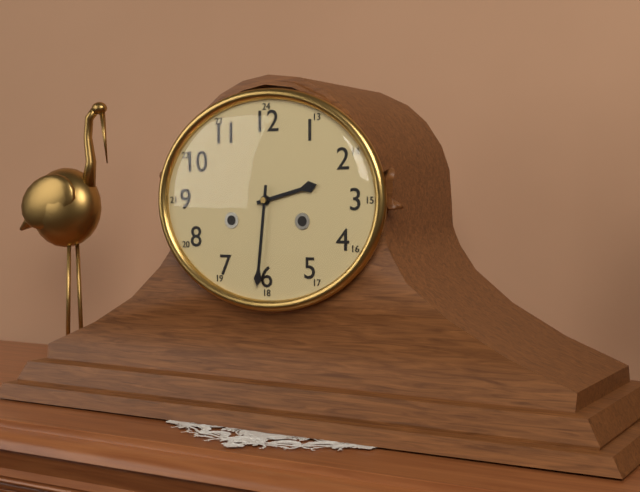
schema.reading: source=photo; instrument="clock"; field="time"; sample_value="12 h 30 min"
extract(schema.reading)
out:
2 h 31 min
